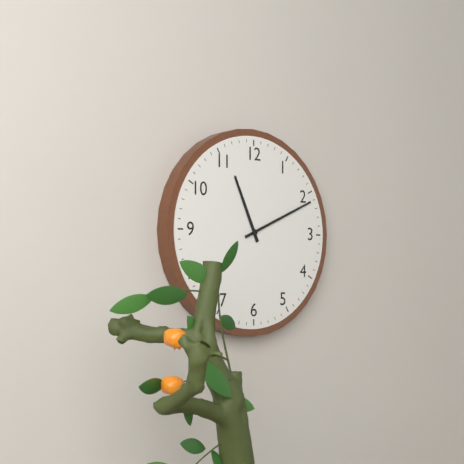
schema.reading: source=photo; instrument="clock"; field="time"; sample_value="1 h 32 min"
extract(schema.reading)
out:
11 h 11 min
